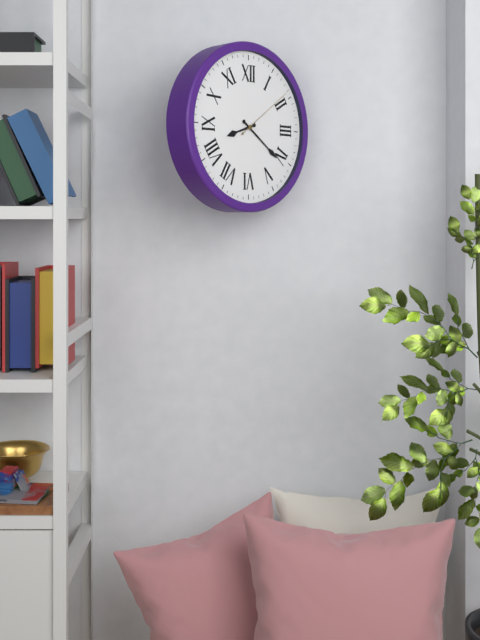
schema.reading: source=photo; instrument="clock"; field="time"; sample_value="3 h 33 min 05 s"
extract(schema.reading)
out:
8 h 21 min 09 s
